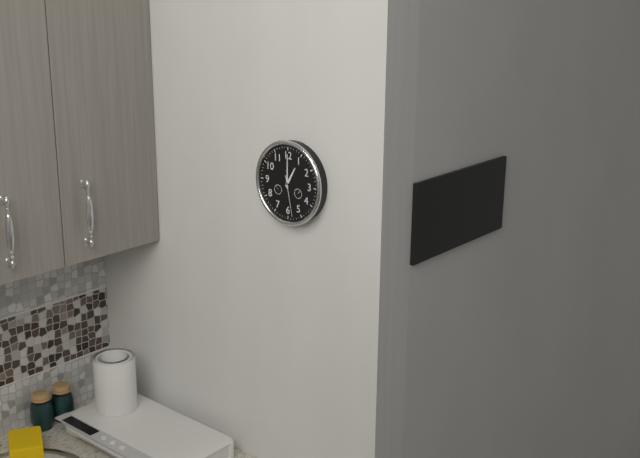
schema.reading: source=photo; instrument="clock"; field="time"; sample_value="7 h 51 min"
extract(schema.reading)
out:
1 h 00 min
